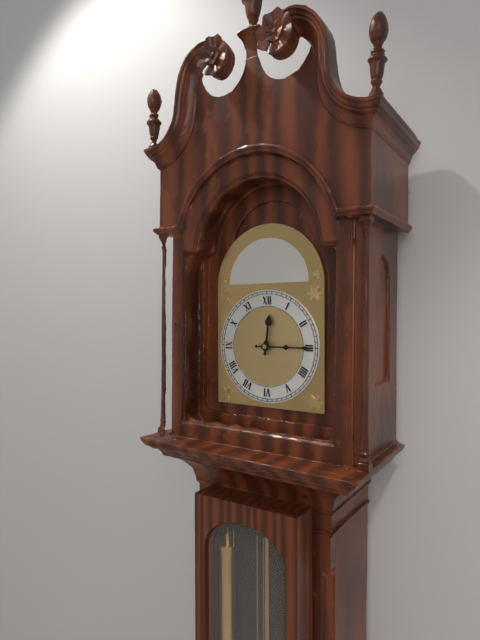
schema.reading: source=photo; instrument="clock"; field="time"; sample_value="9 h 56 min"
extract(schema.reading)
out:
12 h 15 min
